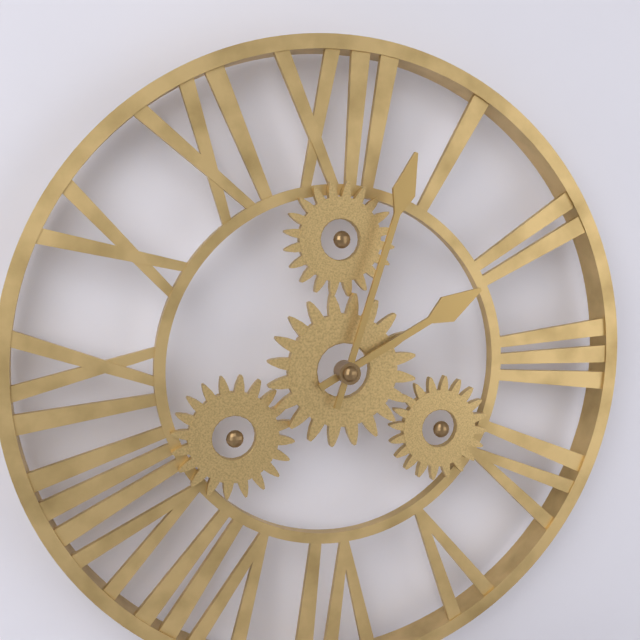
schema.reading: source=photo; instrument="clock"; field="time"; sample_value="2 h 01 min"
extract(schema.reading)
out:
2 h 03 min
